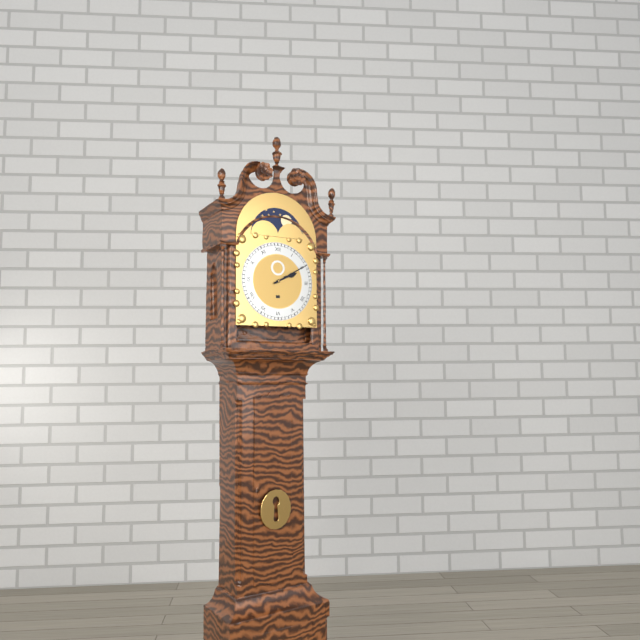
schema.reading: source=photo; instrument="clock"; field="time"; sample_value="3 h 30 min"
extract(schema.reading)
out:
2 h 10 min
